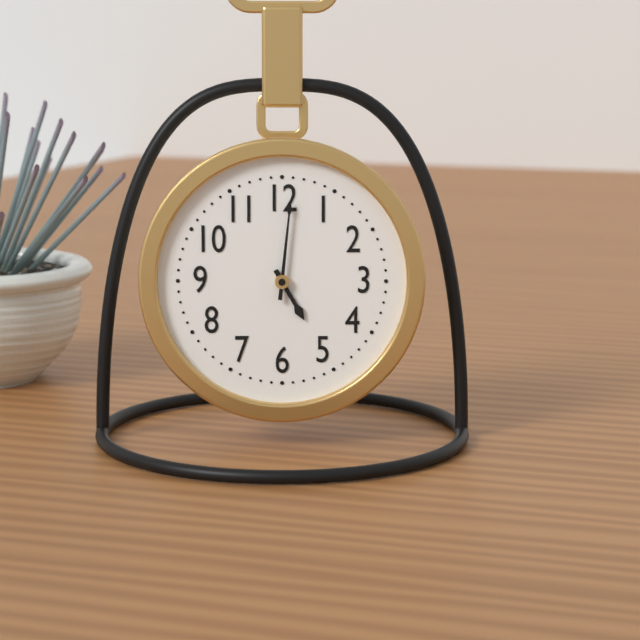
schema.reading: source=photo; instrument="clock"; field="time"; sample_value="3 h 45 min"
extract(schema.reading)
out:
5 h 01 min
